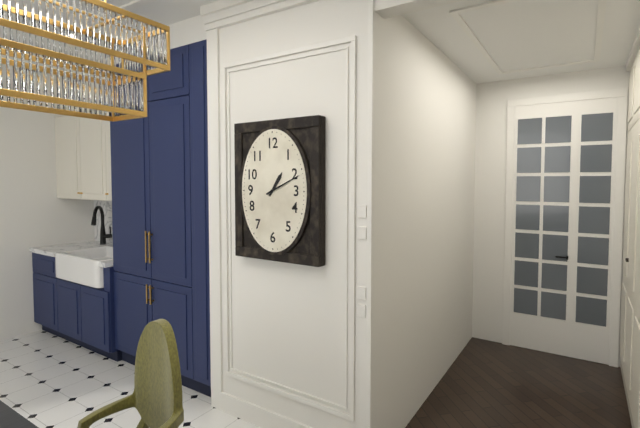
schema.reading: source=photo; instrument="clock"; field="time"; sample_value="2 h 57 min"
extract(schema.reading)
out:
1 h 11 min
